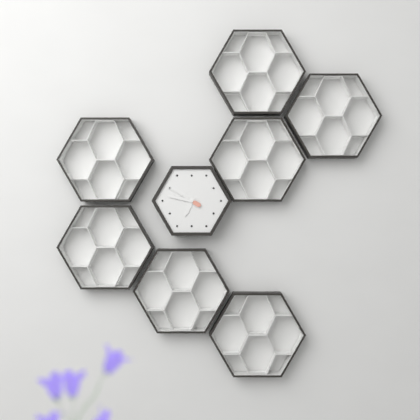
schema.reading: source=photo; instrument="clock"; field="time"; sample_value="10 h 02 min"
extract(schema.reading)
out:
6 h 47 min
